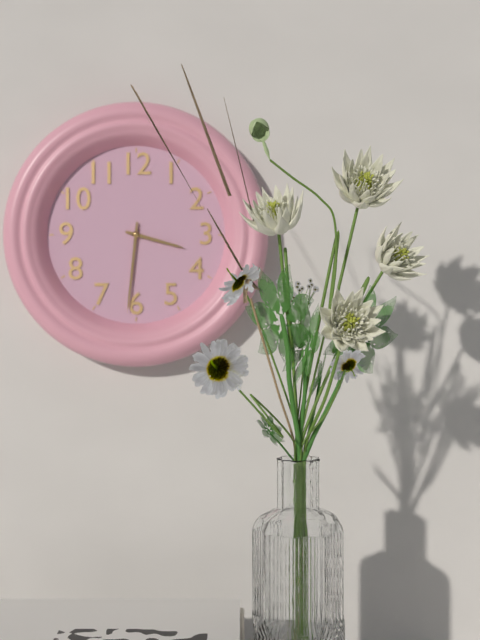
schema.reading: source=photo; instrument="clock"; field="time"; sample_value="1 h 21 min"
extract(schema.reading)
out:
3 h 31 min
